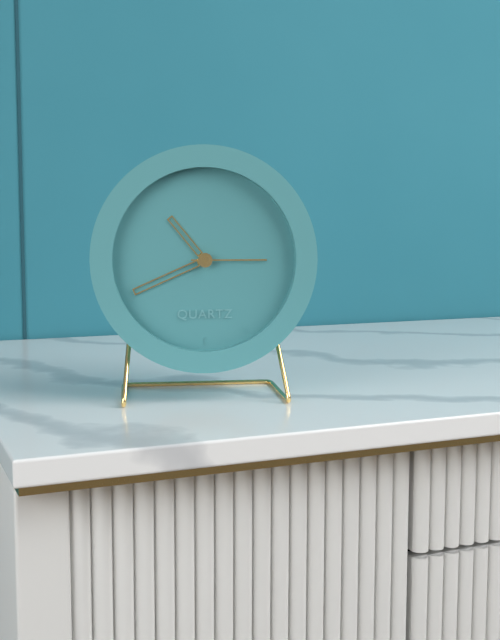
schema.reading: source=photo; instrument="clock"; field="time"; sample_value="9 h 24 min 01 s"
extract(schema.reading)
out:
10 h 41 min 15 s
